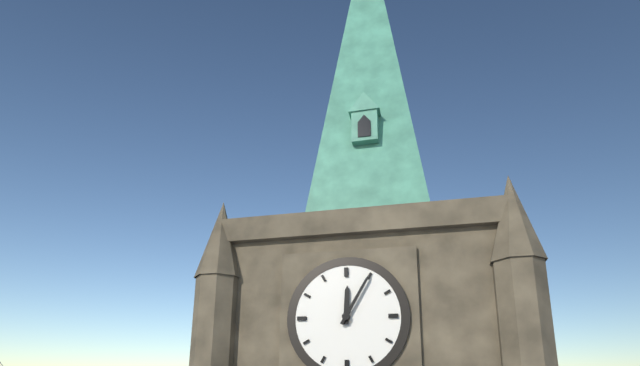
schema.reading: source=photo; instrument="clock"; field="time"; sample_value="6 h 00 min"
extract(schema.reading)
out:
12 h 05 min
